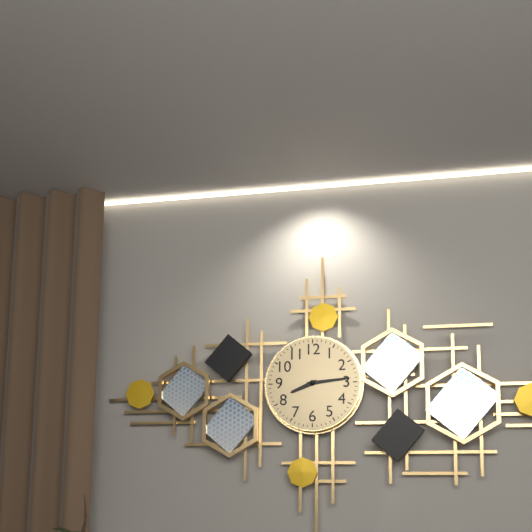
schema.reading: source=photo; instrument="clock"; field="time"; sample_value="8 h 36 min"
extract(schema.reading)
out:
8 h 14 min
